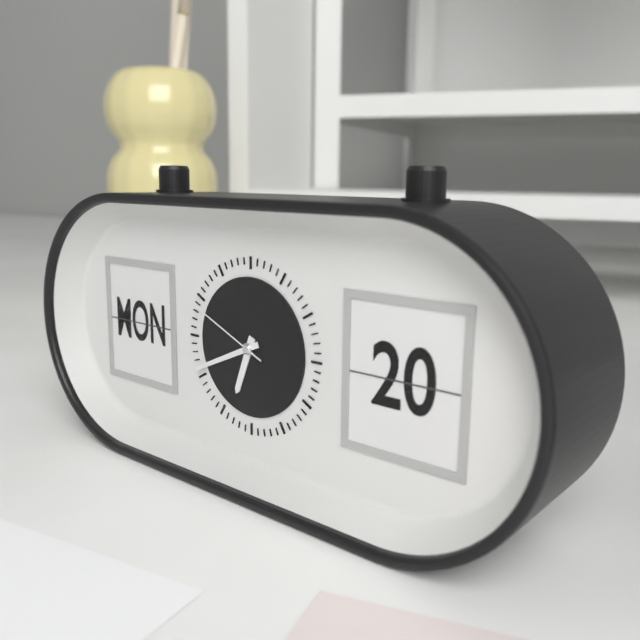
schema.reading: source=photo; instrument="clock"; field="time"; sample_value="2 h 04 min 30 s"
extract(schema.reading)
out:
6 h 41 min 49 s
